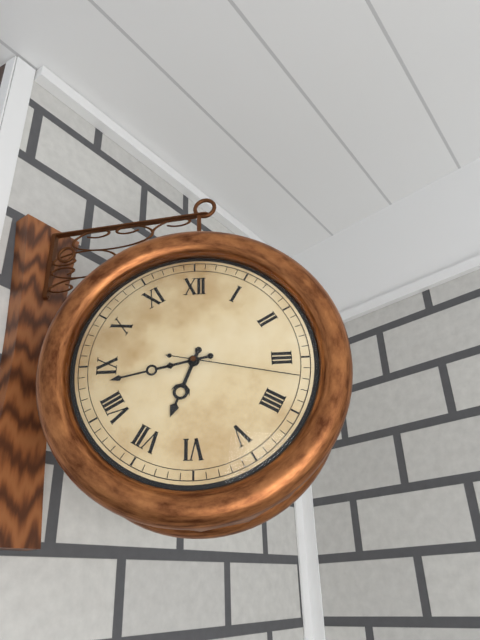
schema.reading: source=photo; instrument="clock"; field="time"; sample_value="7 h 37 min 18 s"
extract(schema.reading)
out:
6 h 43 min 17 s
